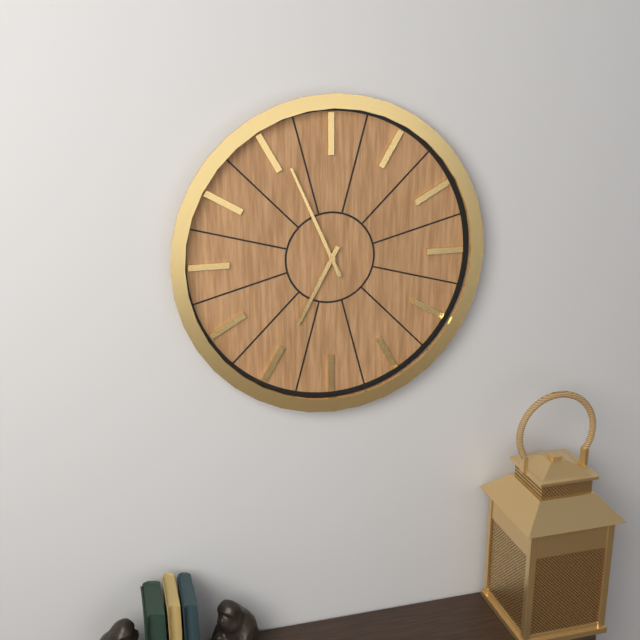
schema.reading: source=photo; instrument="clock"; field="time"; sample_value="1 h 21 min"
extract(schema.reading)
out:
6 h 56 min
